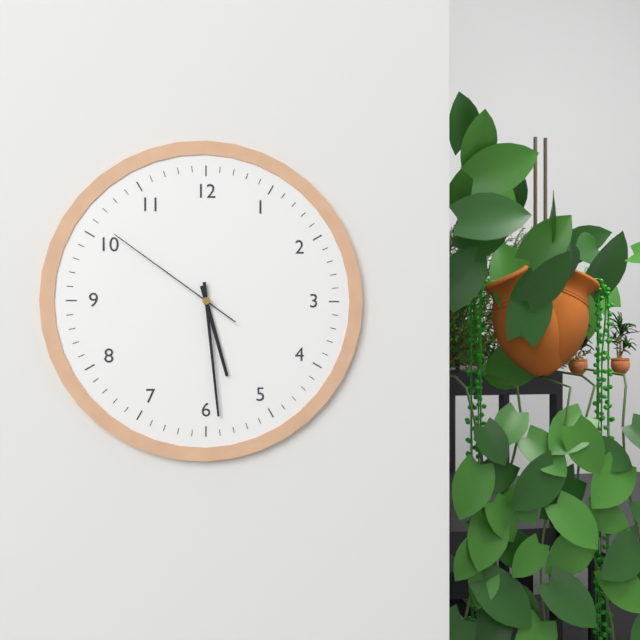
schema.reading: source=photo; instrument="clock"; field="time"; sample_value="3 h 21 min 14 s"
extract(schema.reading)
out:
5 h 29 min 51 s
